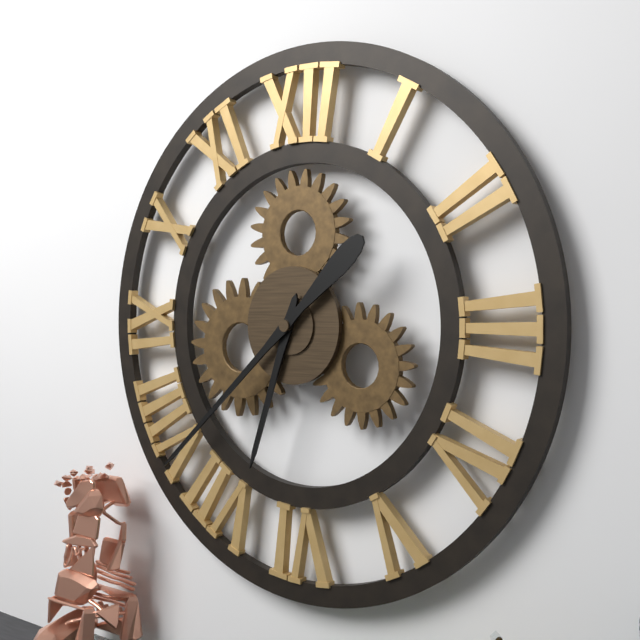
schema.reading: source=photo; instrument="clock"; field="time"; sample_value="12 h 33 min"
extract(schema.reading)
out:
6 h 38 min
